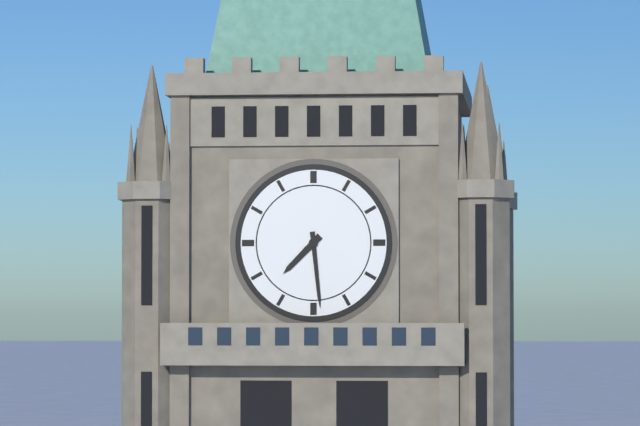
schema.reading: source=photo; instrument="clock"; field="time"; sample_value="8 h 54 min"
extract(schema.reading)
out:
7 h 29 min
